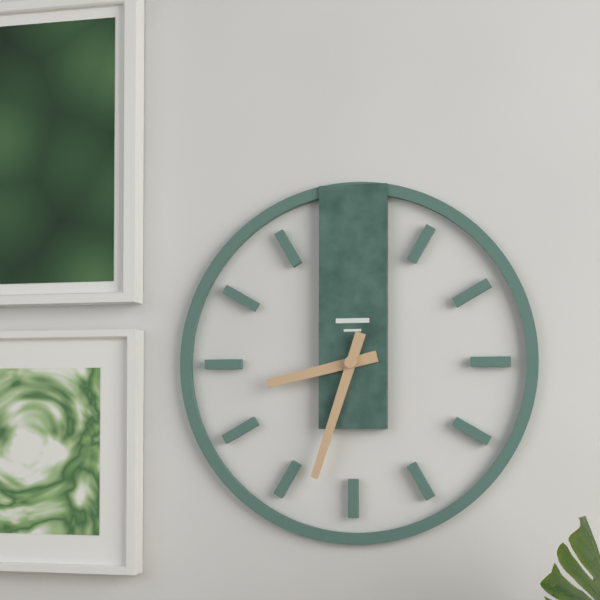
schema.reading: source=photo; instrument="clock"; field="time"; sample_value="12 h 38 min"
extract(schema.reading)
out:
8 h 33 min
